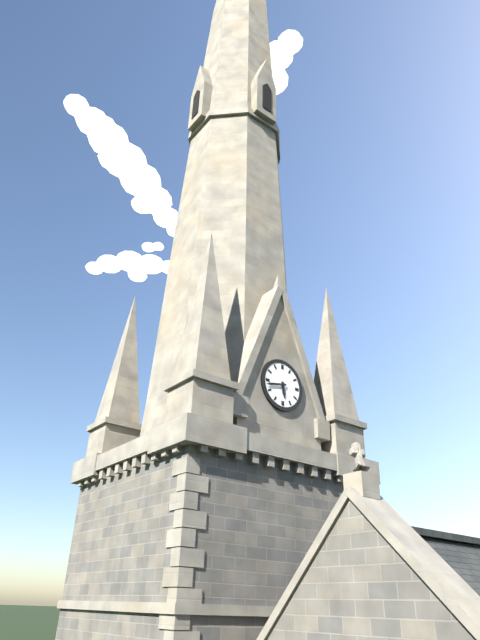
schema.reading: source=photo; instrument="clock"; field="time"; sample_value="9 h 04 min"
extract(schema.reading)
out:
5 h 43 min
